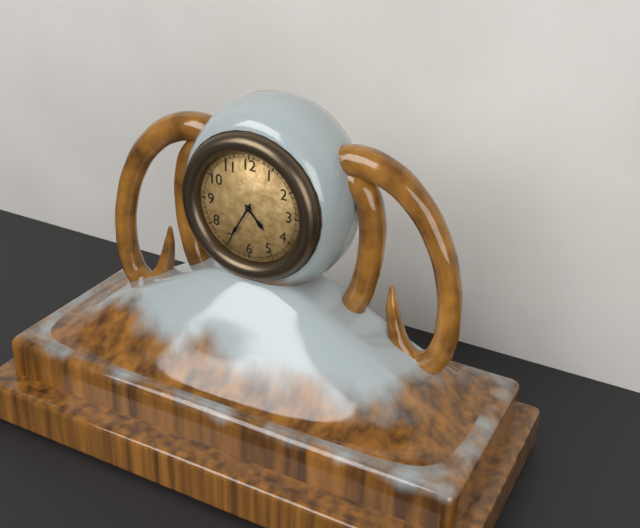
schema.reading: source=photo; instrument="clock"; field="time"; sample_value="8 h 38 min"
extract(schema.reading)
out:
4 h 35 min
